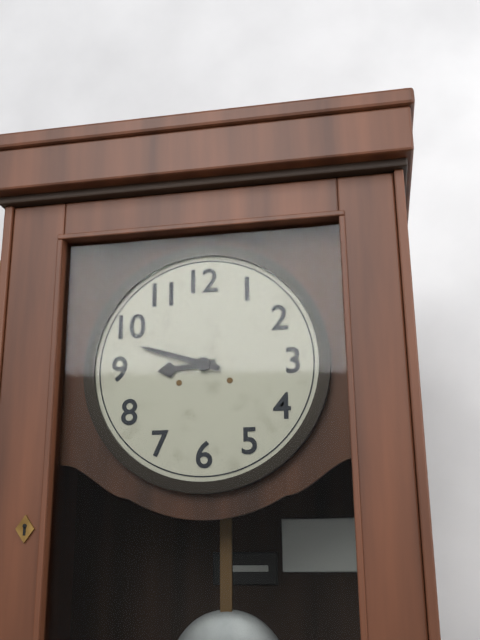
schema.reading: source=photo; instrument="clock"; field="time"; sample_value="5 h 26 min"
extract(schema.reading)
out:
8 h 48 min
